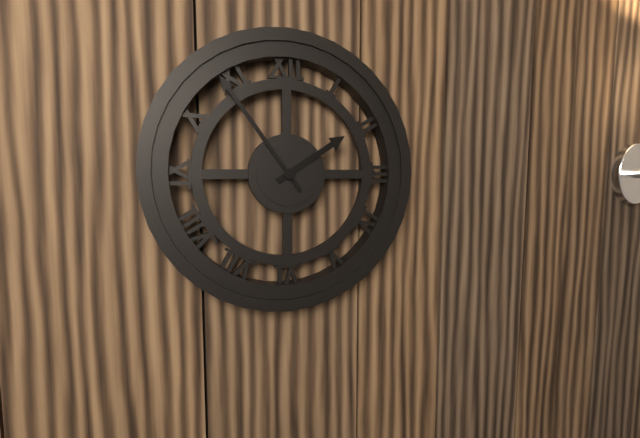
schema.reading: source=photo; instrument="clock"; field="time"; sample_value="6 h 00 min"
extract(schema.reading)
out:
1 h 54 min
